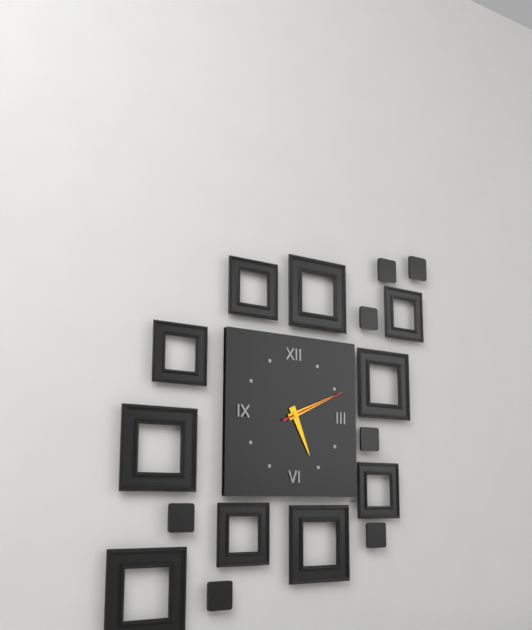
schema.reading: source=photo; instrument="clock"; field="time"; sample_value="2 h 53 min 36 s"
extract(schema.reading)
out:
5 h 11 min 11 s
